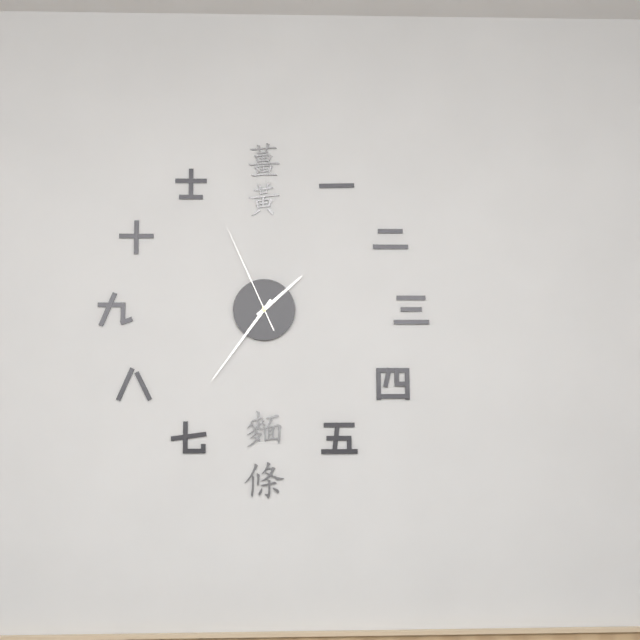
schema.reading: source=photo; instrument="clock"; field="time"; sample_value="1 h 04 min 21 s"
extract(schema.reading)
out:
1 h 36 min 56 s
